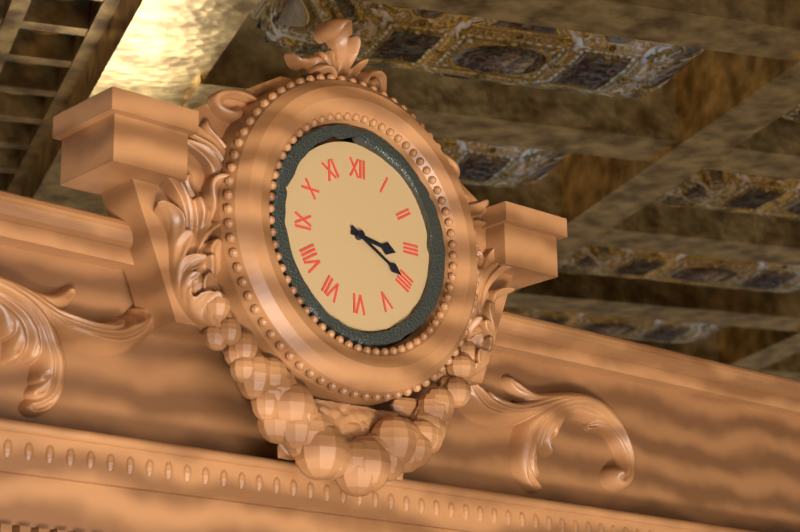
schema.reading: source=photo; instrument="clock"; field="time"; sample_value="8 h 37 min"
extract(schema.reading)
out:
3 h 20 min
